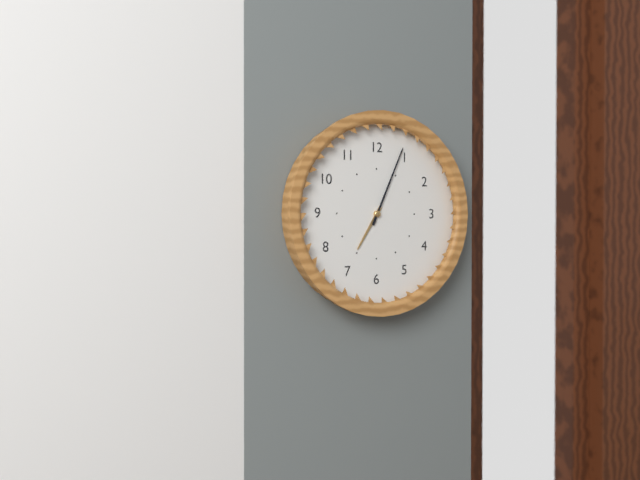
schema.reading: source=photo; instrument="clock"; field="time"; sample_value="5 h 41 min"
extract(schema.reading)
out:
7 h 04 min
